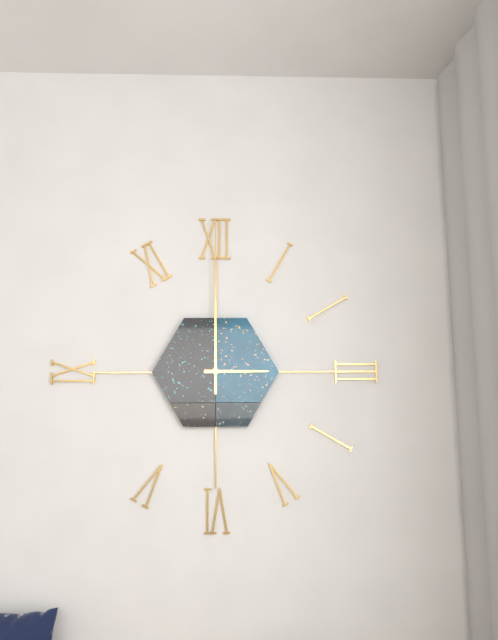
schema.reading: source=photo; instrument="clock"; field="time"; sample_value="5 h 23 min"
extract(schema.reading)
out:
3 h 00 min
